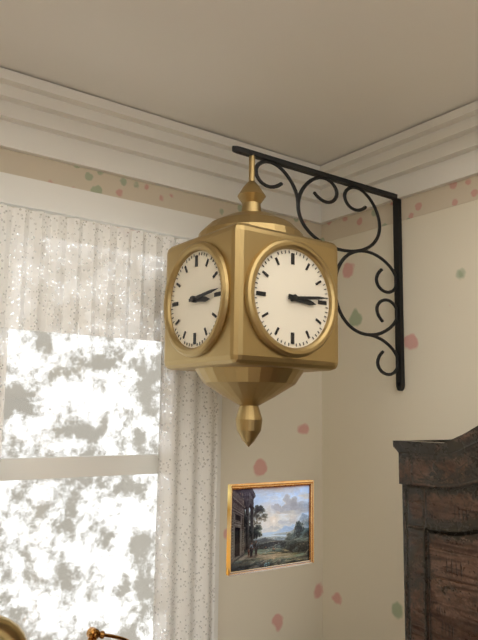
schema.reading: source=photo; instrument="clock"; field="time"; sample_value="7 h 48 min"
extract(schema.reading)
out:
3 h 14 min
